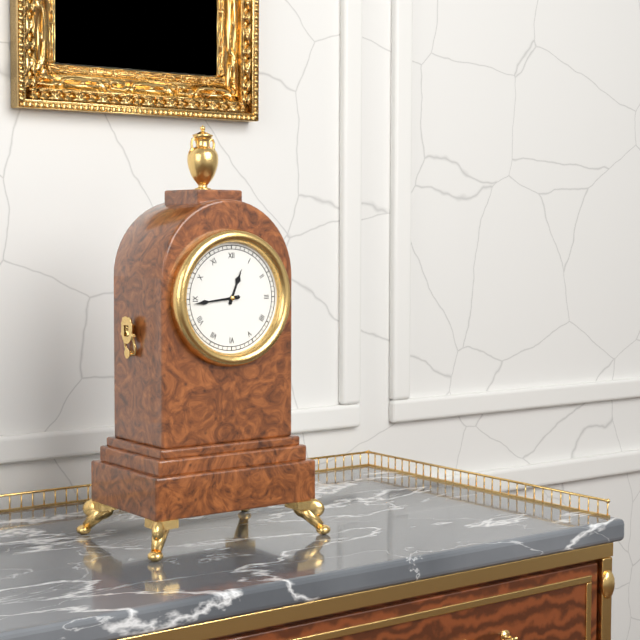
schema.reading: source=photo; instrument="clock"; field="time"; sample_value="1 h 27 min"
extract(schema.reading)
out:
12 h 44 min
